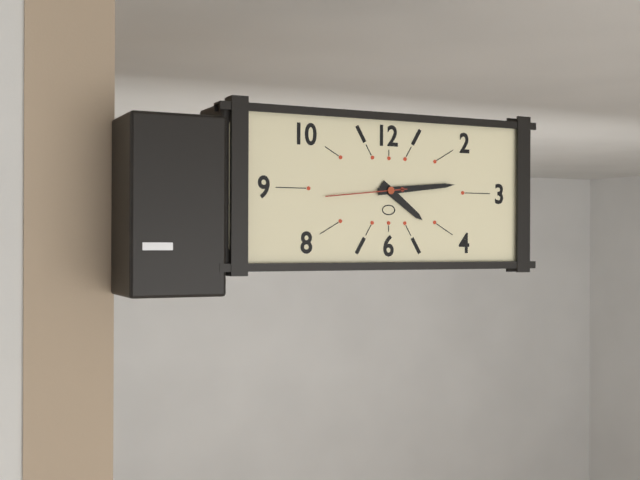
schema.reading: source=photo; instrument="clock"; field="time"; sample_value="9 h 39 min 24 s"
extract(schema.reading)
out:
4 h 14 min 44 s
